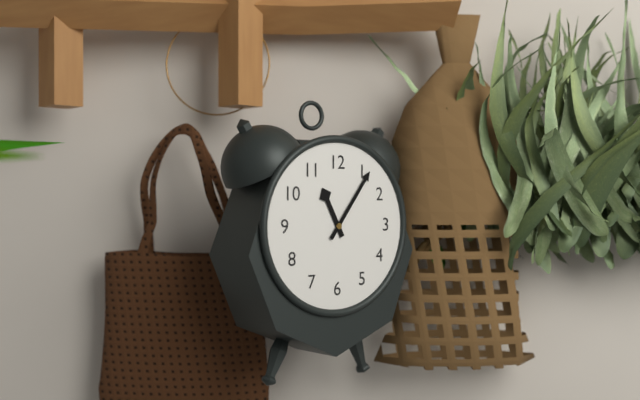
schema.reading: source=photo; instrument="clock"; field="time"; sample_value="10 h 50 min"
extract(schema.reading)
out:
11 h 06 min
